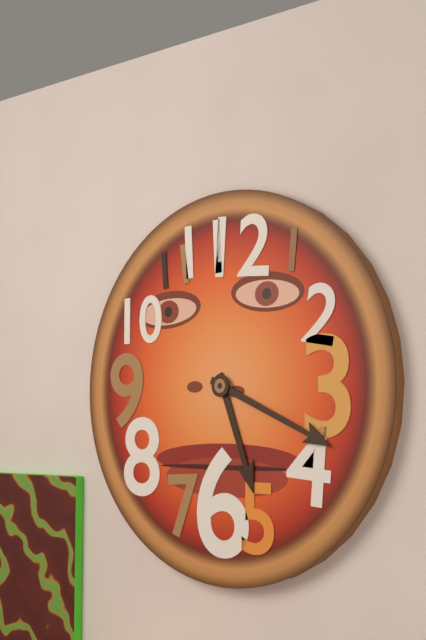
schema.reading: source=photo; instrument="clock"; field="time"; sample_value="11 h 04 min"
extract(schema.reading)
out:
5 h 19 min
